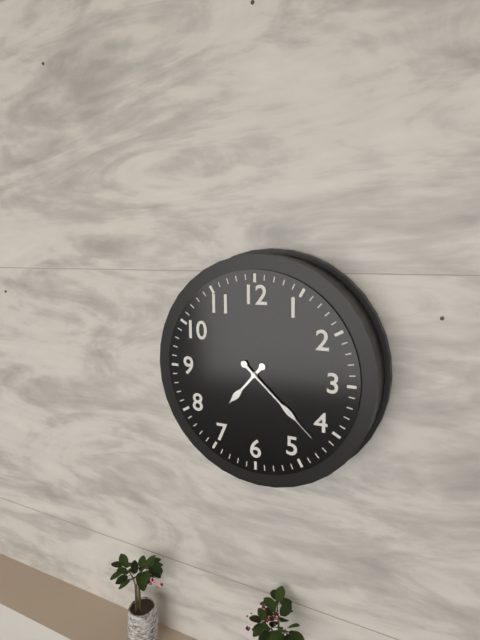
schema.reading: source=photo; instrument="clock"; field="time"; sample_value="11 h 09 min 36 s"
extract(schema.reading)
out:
7 h 22 min 22 s
